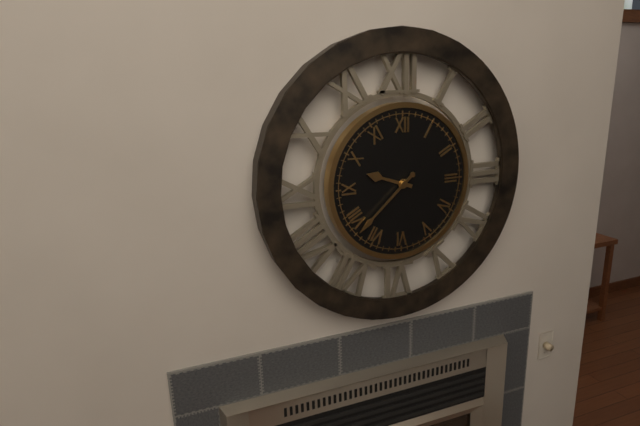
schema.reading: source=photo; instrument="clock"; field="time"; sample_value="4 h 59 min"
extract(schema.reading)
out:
9 h 38 min
